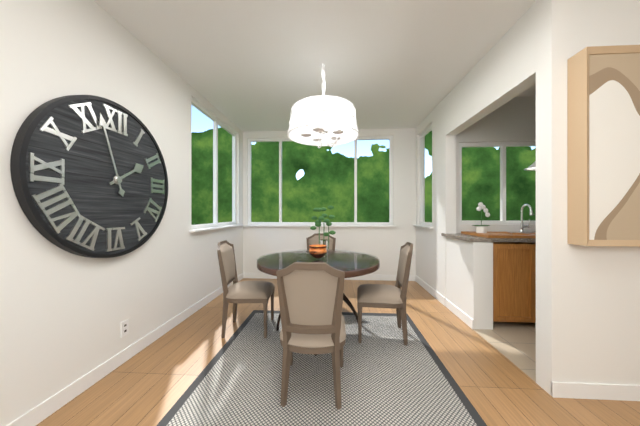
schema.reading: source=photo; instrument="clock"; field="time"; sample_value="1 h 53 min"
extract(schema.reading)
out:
1 h 57 min
